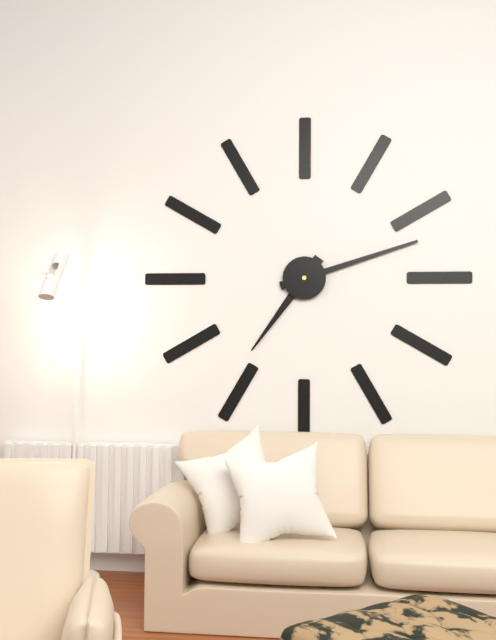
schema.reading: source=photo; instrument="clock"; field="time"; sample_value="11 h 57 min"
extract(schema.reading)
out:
7 h 12 min
